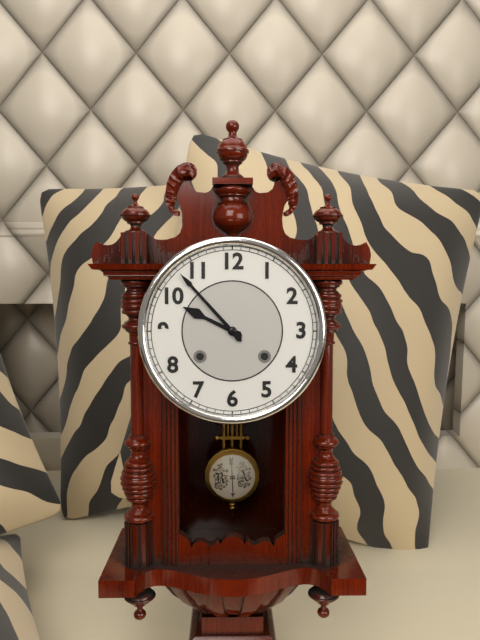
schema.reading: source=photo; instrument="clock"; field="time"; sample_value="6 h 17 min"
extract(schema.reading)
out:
9 h 53 min
